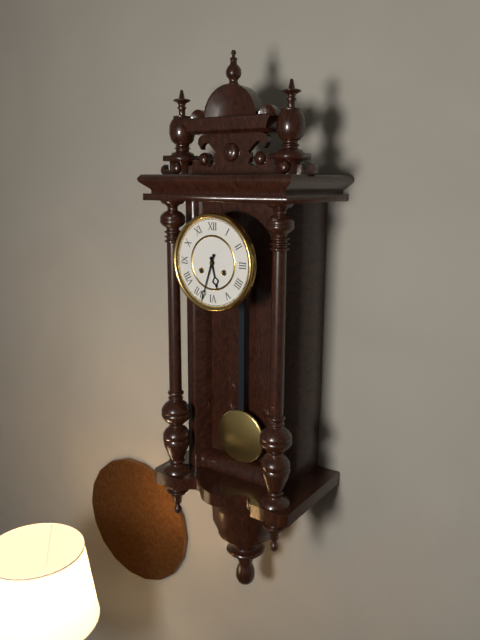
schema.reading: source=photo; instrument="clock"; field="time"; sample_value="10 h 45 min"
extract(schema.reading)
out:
5 h 33 min
